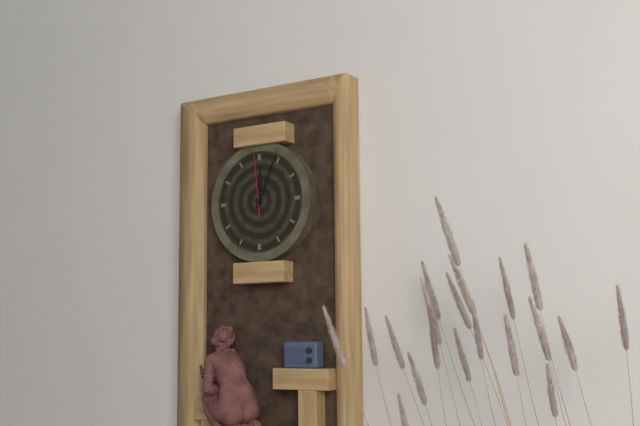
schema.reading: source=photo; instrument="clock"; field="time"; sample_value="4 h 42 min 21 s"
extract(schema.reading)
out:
12 h 04 min 59 s
